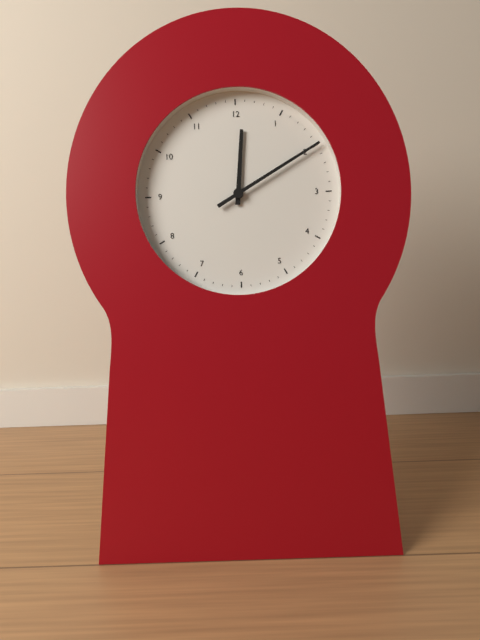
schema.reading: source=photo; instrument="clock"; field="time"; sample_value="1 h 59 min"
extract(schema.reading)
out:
12 h 10 min
